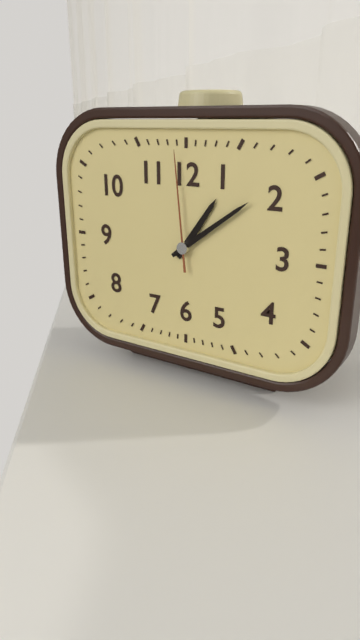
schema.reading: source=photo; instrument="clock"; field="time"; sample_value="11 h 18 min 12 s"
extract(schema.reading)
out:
1 h 09 min 59 s
